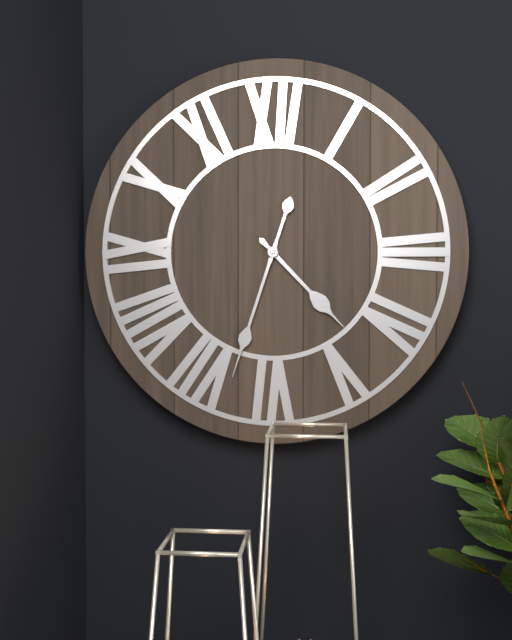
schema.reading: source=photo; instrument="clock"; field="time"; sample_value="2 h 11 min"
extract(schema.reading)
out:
4 h 33 min
